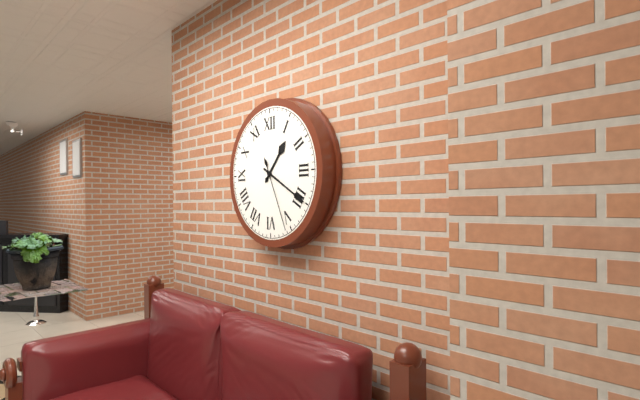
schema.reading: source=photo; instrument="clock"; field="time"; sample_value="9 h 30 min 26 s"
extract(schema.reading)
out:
1 h 20 min 26 s
